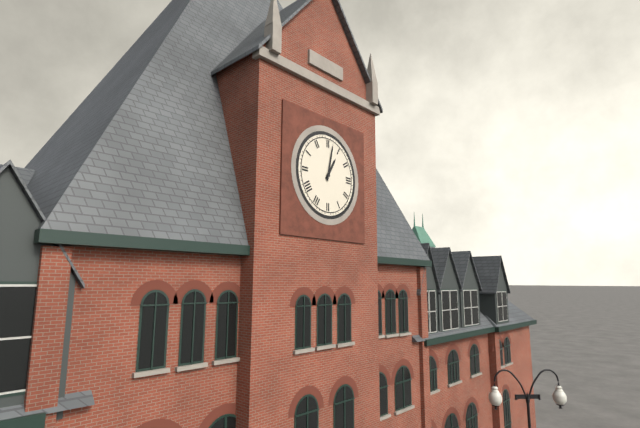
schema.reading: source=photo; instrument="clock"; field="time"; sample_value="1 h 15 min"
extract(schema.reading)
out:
1 h 02 min
